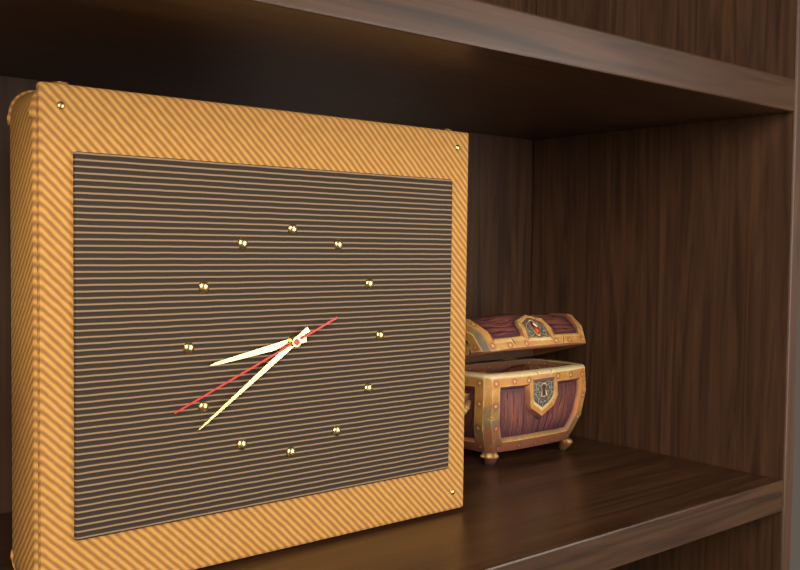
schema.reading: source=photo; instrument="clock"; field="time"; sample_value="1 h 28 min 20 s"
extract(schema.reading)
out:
8 h 39 min 41 s
